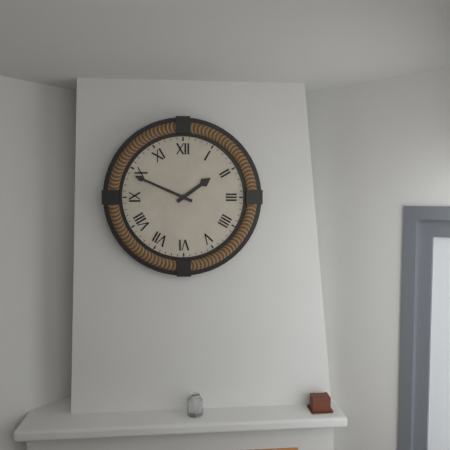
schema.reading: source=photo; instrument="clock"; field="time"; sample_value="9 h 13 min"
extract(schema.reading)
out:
1 h 49 min
